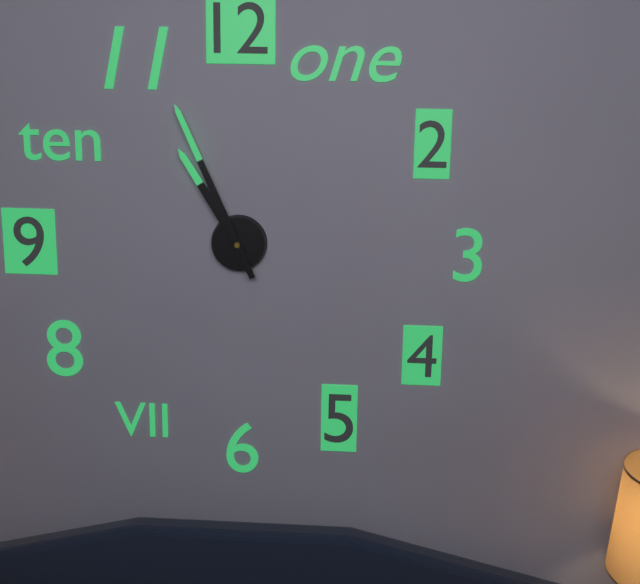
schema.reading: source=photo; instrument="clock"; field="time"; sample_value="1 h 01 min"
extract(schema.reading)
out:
10 h 56 min
